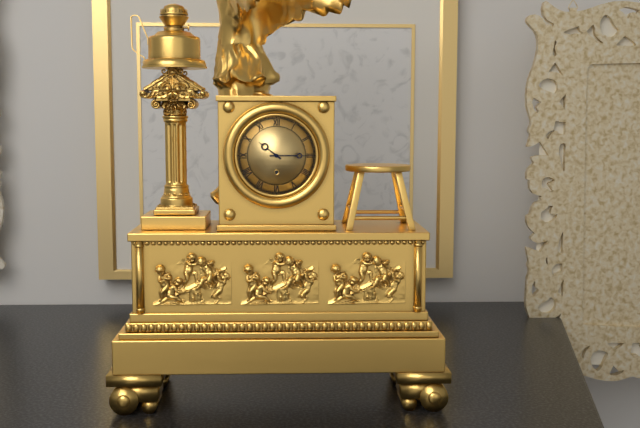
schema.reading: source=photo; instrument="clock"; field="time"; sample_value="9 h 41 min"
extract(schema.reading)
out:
10 h 15 min
